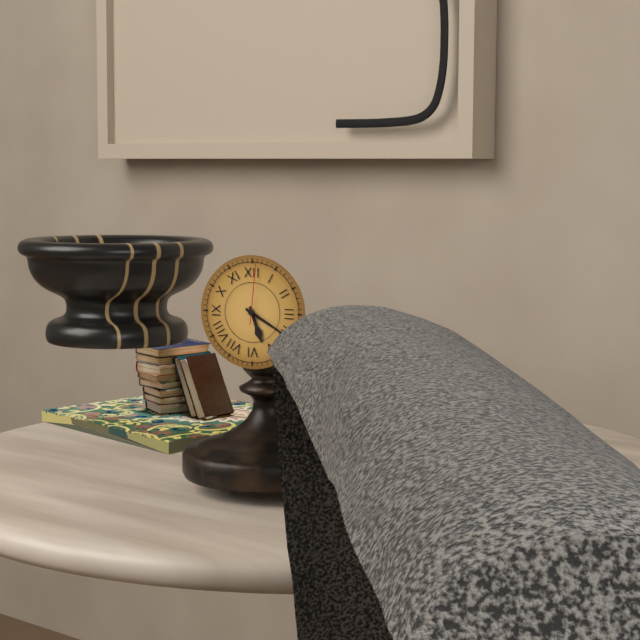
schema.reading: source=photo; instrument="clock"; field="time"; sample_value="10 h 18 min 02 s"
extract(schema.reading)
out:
5 h 20 min 01 s
